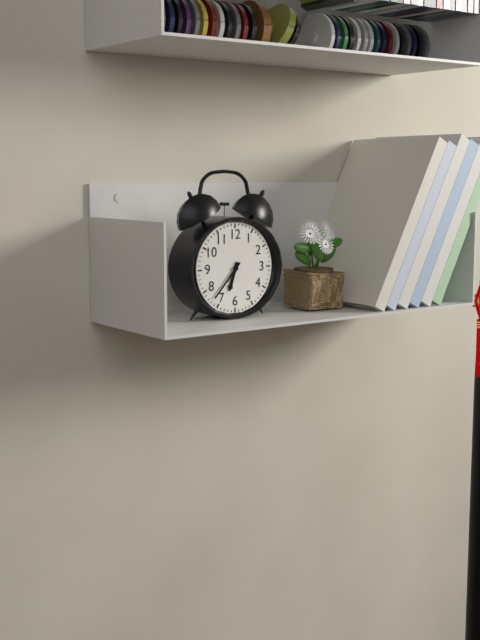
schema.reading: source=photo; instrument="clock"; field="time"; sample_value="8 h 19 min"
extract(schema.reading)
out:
6 h 37 min
